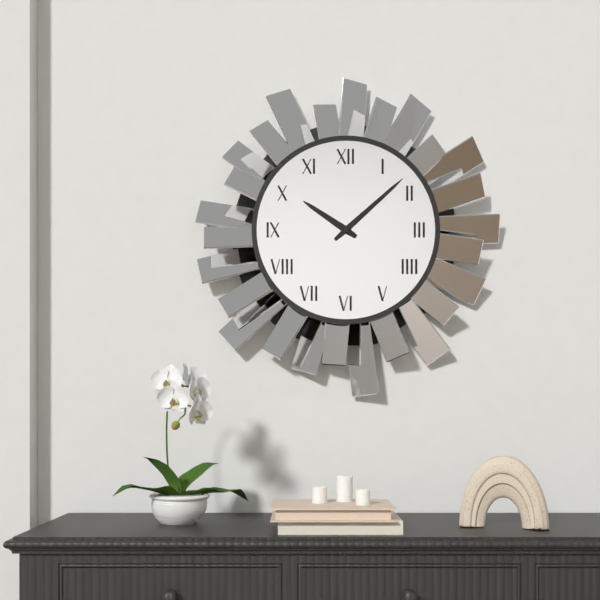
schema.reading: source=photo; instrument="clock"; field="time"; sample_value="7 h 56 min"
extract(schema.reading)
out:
10 h 08 min
